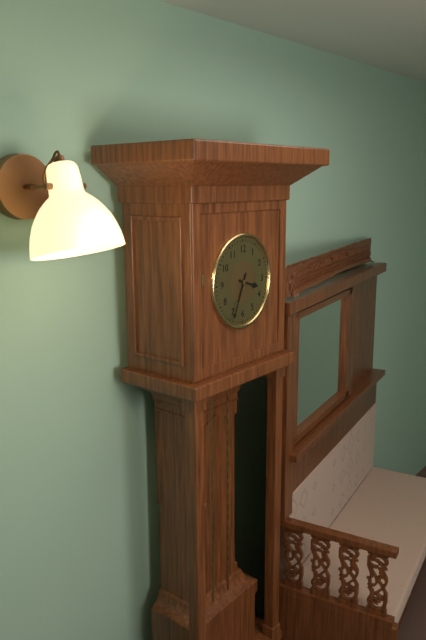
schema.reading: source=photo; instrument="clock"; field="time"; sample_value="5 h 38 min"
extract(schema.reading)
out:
3 h 34 min
